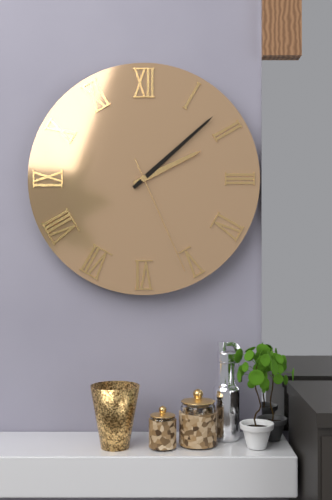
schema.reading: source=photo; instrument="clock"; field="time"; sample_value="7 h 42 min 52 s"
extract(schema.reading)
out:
2 h 08 min 26 s
